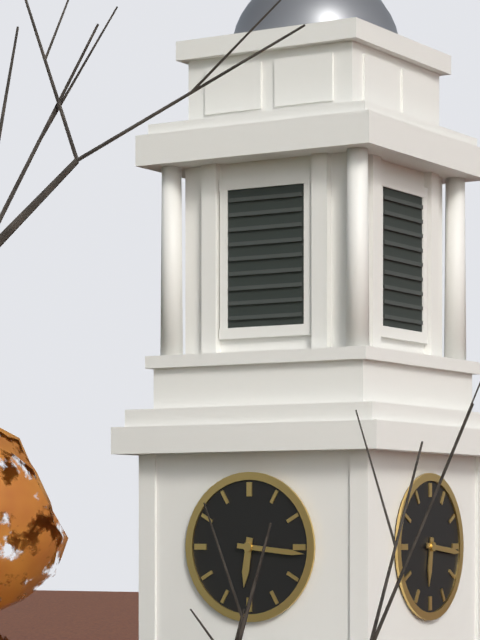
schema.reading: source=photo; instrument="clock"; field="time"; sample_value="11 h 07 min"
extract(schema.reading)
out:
6 h 16 min
